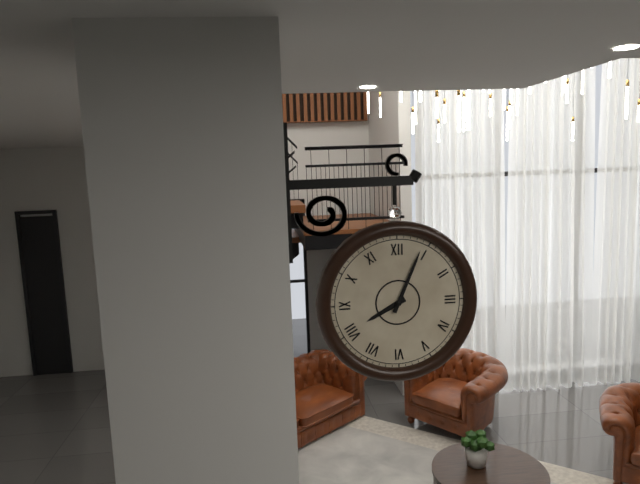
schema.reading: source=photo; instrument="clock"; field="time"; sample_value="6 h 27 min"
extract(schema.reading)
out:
8 h 04 min
